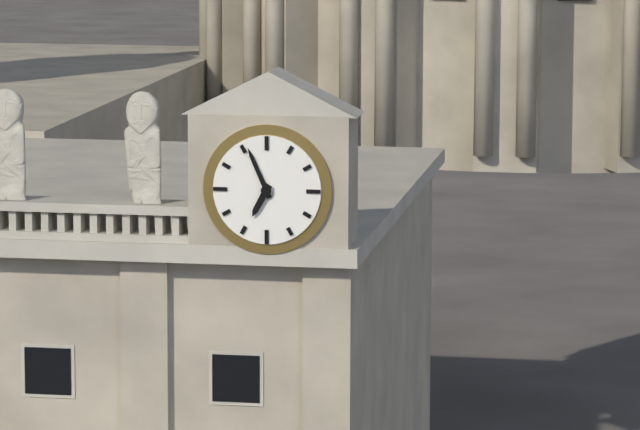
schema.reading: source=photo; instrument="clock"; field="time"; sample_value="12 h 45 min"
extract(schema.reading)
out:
6 h 56 min
